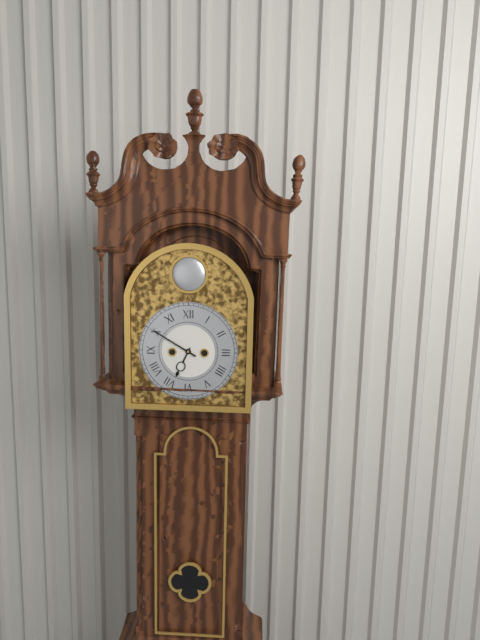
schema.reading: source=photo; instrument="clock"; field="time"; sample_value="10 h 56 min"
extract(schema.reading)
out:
6 h 50 min
